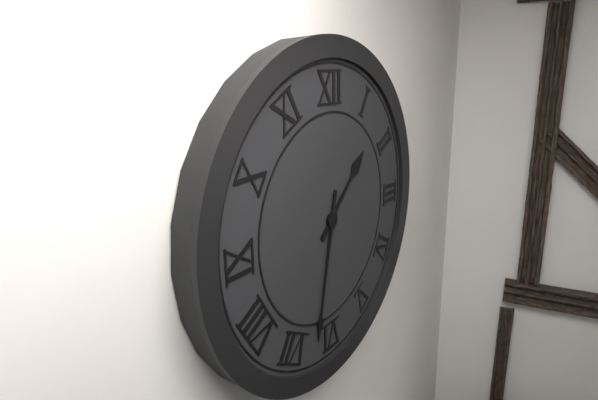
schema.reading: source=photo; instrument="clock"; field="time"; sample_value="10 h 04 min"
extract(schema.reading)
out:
1 h 32 min
